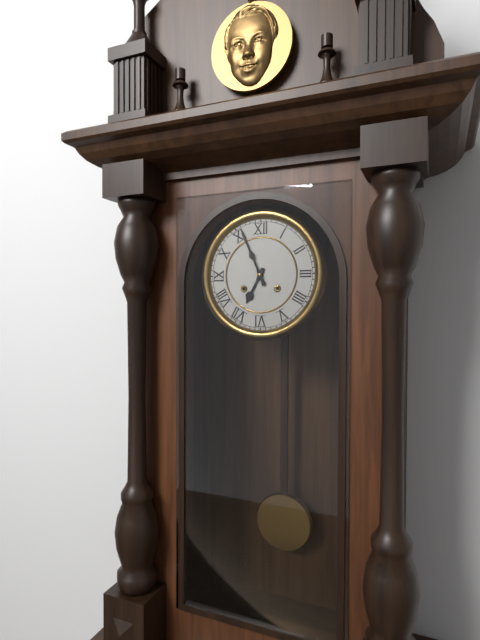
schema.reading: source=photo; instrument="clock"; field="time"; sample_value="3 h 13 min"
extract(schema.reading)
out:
6 h 56 min
